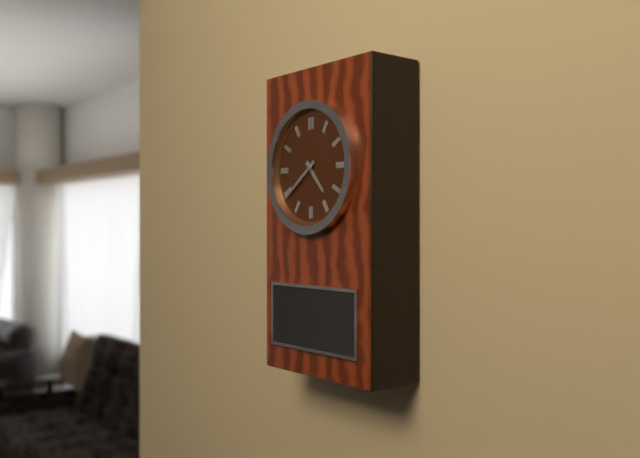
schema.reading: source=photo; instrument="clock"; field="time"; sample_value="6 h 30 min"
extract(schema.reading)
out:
4 h 39 min
